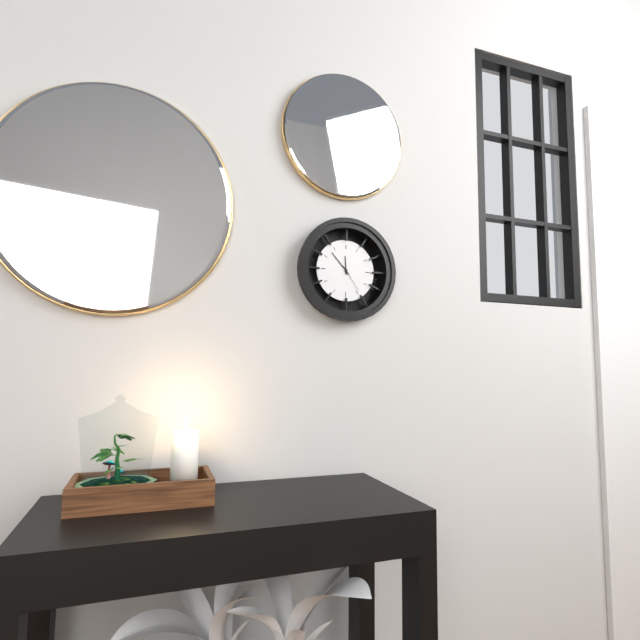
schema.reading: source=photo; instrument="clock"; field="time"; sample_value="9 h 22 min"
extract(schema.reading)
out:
11 h 53 min
